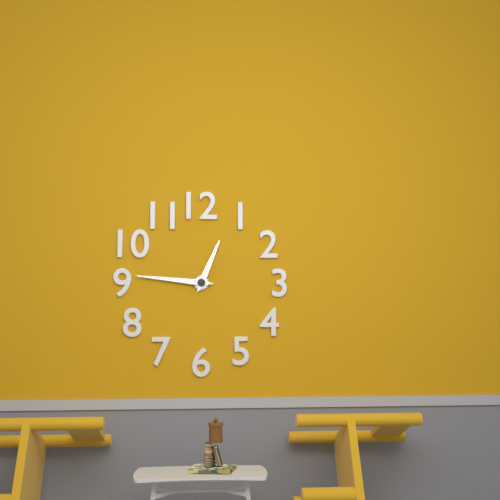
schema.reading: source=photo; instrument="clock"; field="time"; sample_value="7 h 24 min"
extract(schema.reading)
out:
12 h 46 min
